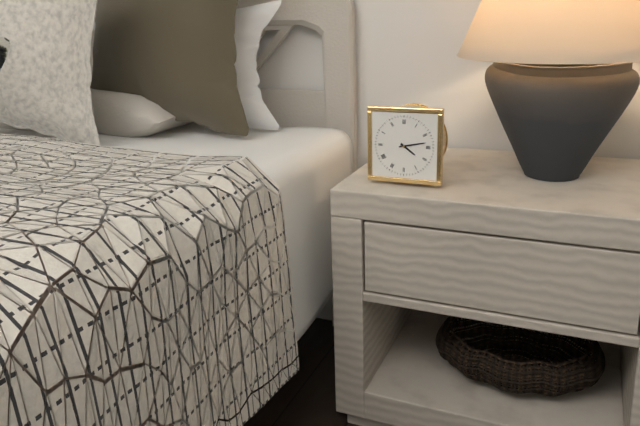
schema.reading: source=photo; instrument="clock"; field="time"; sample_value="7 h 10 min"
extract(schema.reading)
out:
4 h 13 min
